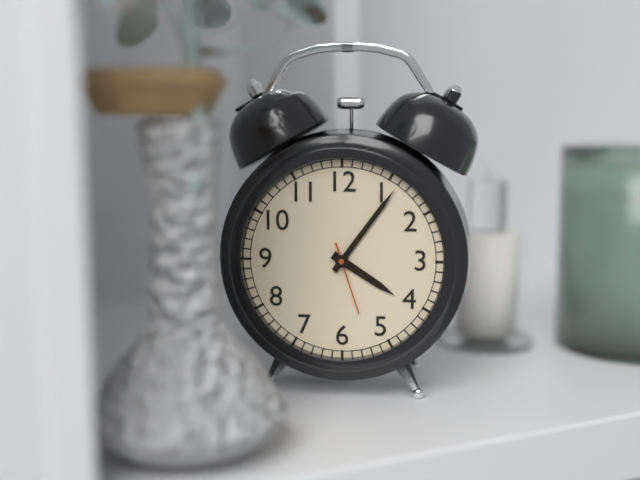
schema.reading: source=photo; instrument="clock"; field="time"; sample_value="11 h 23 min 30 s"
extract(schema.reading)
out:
4 h 06 min 27 s
